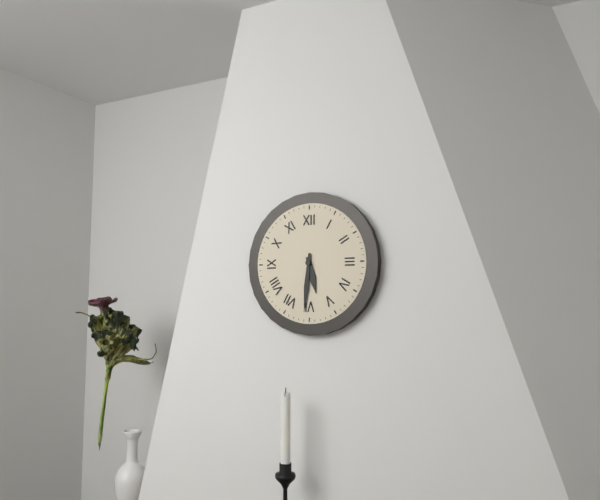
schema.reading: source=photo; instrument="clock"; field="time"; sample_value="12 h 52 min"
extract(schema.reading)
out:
5 h 31 min
